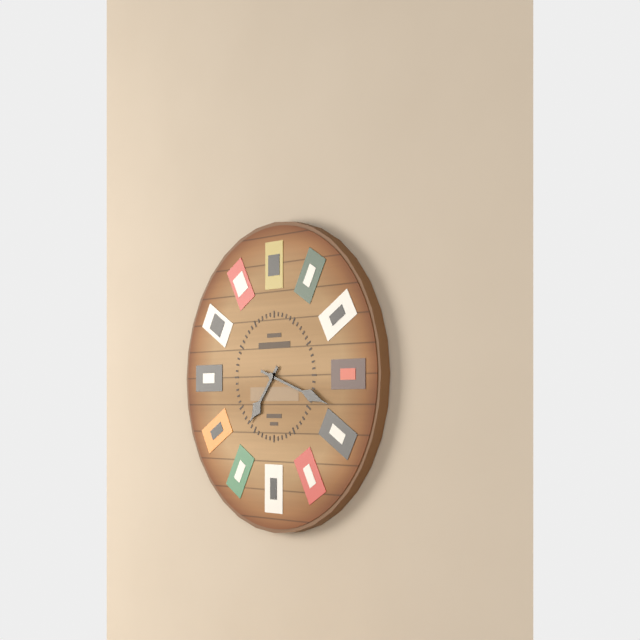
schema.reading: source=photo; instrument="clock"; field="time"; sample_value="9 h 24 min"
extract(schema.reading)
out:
7 h 18 min
